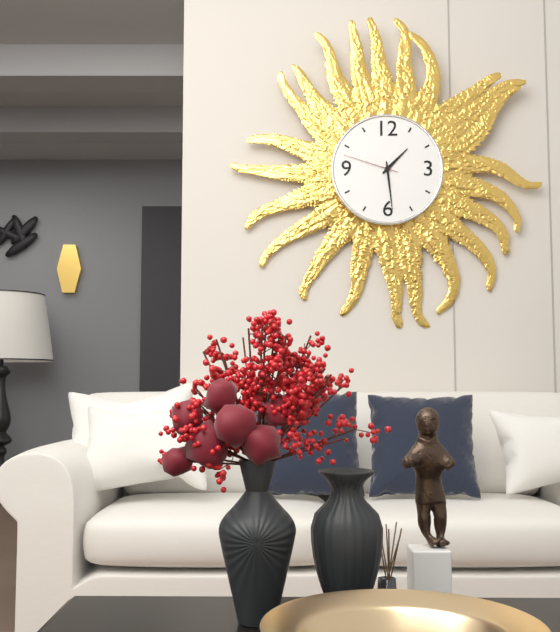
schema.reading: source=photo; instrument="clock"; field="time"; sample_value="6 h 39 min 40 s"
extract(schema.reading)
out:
1 h 29 min 48 s
